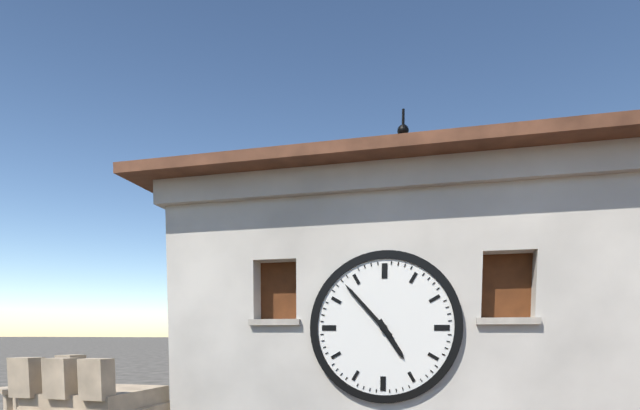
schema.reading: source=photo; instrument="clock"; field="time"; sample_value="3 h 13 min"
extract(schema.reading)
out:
4 h 53 min
